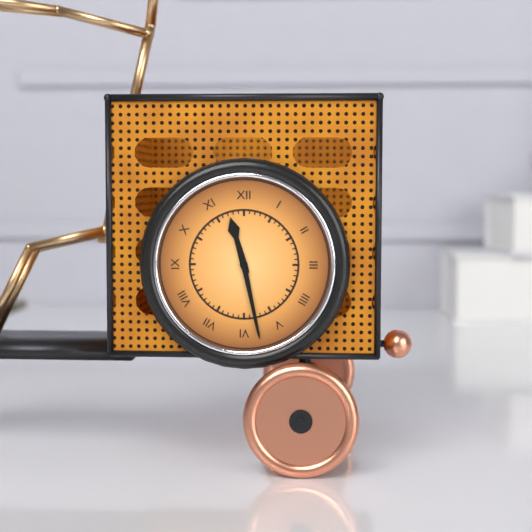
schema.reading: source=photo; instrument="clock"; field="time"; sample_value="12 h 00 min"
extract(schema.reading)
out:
11 h 28 min
